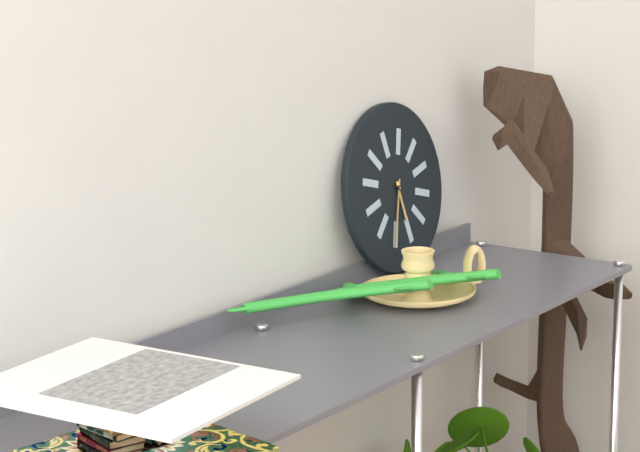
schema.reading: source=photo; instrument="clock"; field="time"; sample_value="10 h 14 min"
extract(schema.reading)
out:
5 h 33 min
